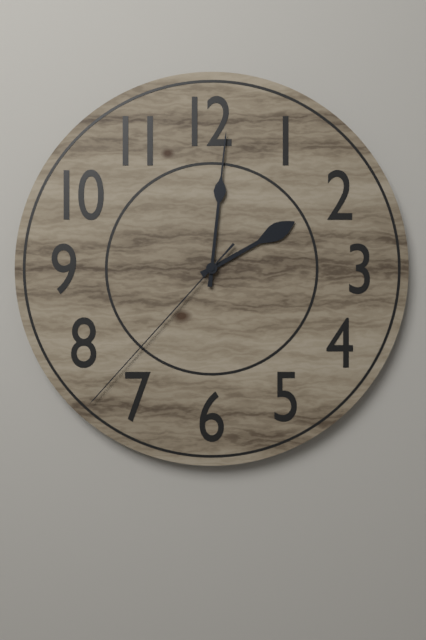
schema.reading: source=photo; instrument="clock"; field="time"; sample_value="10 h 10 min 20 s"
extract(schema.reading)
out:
2 h 01 min 37 s
